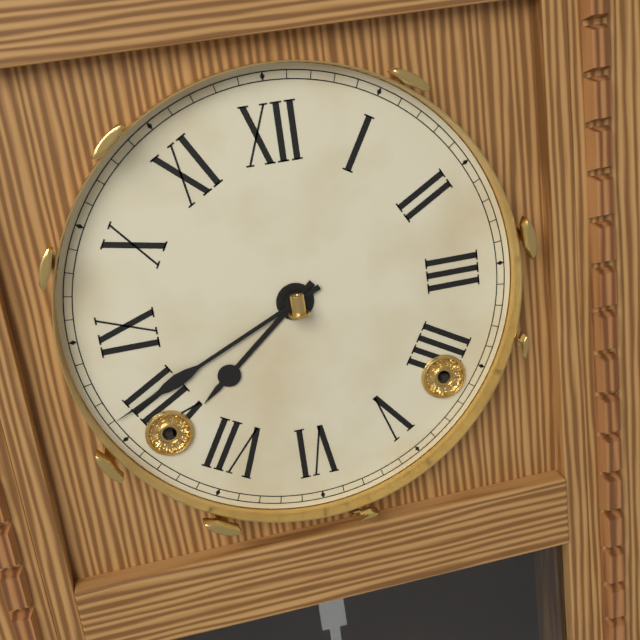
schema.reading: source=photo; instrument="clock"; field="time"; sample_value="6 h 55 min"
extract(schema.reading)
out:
7 h 41 min
